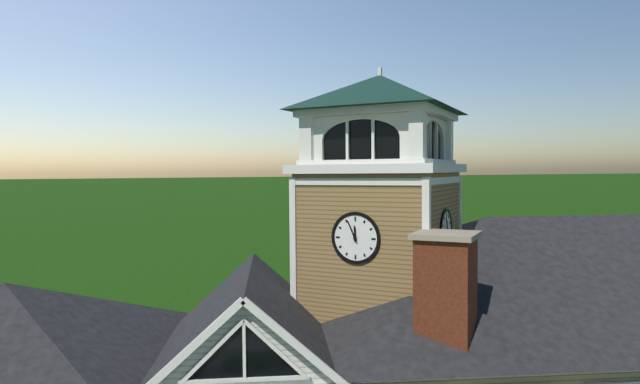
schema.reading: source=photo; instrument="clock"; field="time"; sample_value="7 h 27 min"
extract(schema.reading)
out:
11 h 56 min
